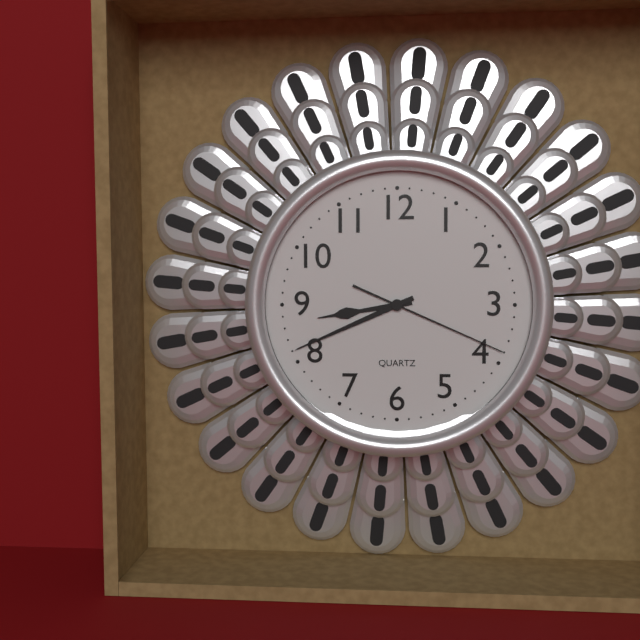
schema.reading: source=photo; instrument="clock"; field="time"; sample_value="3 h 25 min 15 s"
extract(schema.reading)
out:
8 h 41 min 19 s
